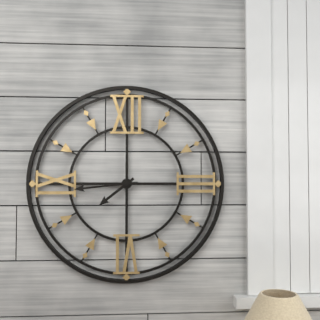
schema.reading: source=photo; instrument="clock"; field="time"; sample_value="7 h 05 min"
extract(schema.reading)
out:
7 h 44 min
